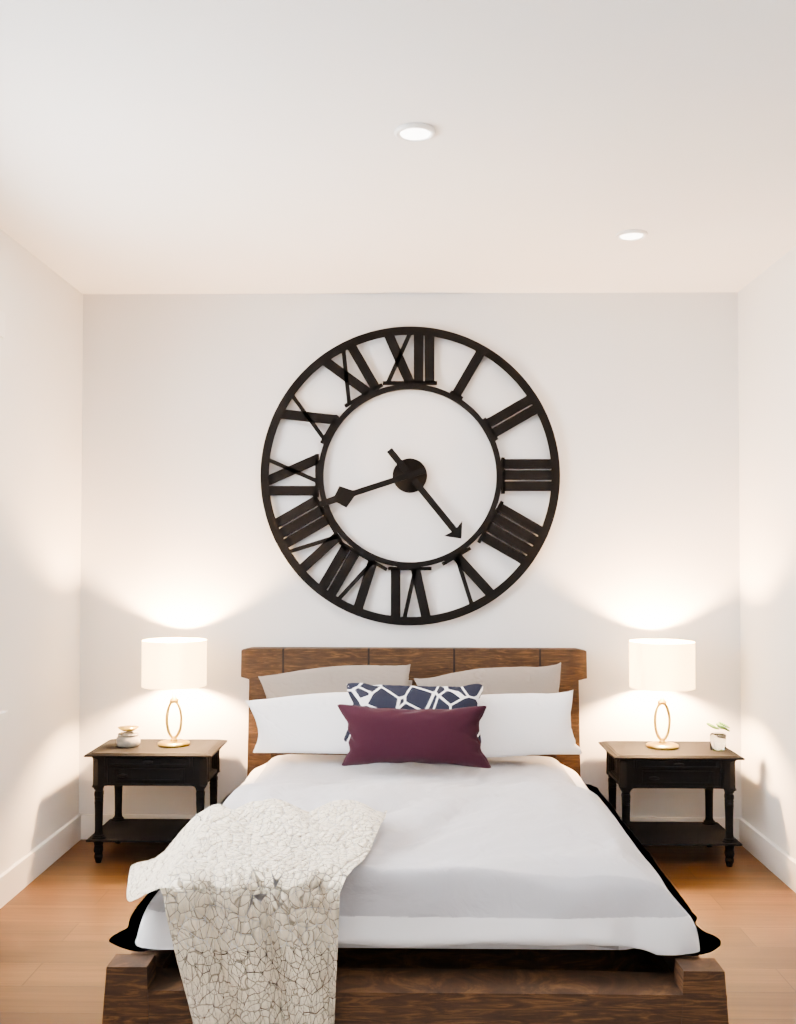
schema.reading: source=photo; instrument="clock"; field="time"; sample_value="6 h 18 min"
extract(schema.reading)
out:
4 h 42 min
